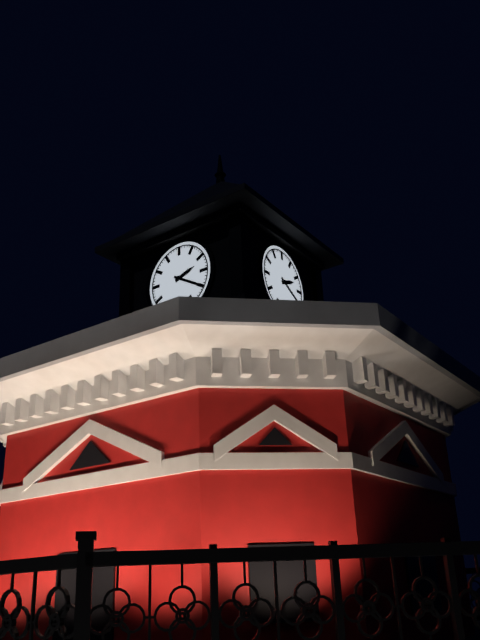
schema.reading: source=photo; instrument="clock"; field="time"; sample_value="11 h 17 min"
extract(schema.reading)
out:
2 h 20 min
